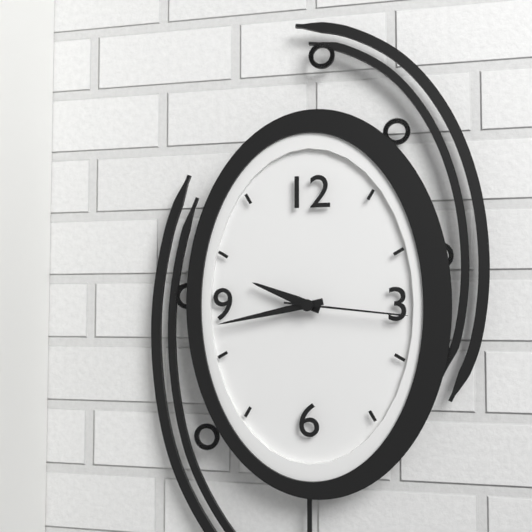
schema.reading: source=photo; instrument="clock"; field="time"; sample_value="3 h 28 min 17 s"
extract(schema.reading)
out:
9 h 43 min 16 s
